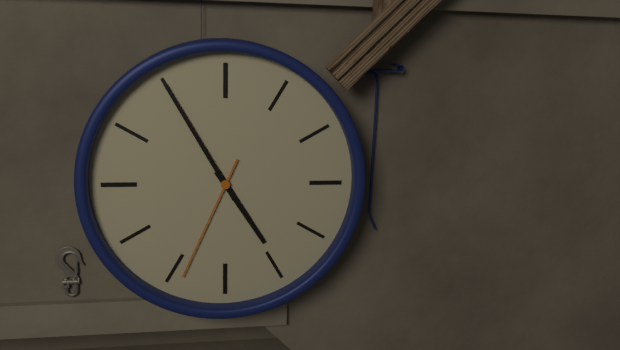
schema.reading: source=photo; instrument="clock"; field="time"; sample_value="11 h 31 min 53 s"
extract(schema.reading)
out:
4 h 55 min 34 s
